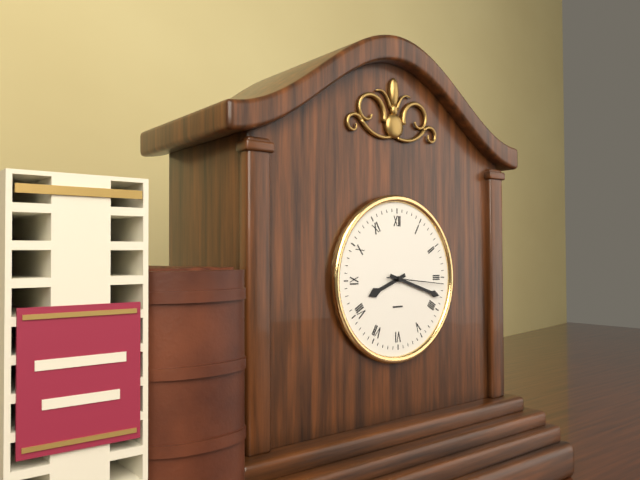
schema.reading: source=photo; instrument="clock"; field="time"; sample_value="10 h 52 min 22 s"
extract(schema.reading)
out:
8 h 18 min 16 s
